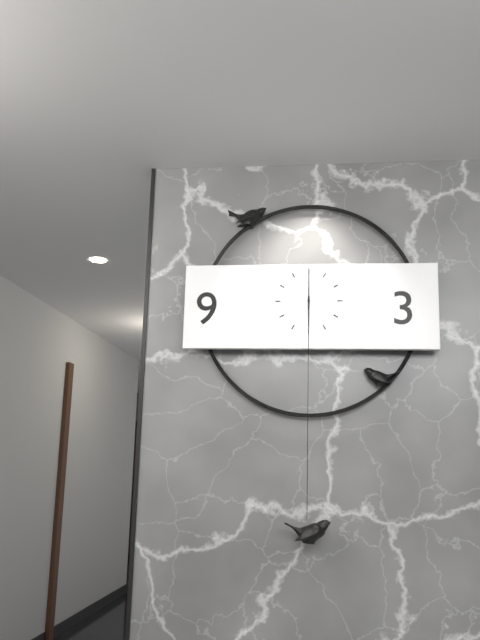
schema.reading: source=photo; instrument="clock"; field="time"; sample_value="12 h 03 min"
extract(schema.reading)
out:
6 h 00 min
